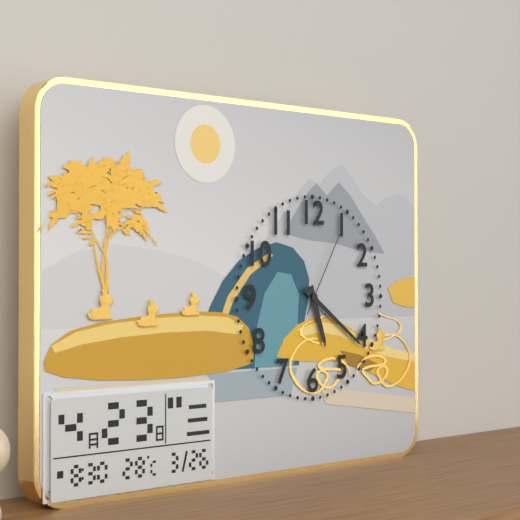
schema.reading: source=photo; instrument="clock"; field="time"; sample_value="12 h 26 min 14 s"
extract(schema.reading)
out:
5 h 21 min 05 s
